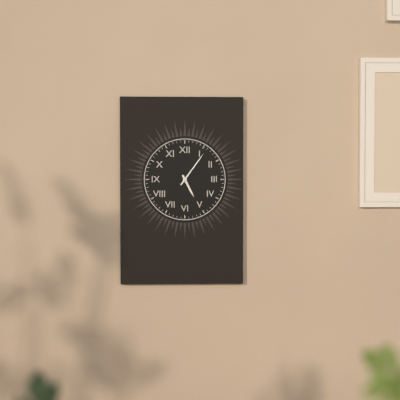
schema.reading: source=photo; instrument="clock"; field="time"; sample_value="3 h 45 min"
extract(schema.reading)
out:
5 h 06 min
